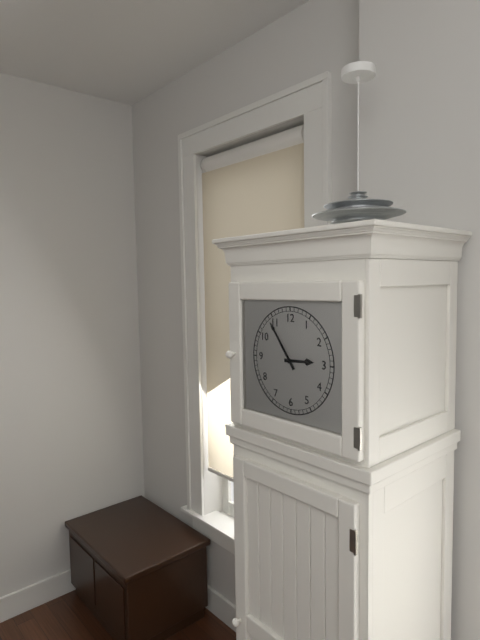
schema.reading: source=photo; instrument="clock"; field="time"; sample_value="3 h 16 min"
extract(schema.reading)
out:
2 h 54 min
